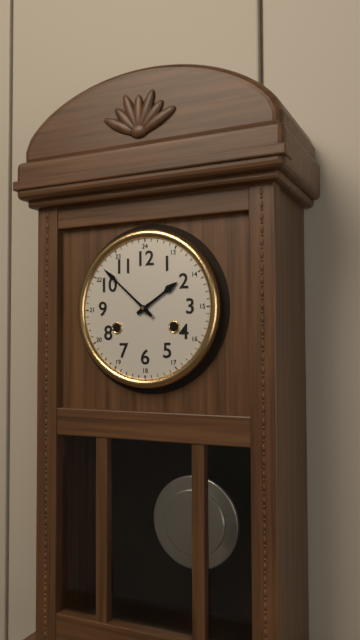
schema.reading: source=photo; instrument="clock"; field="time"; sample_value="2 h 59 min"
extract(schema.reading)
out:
1 h 52 min
